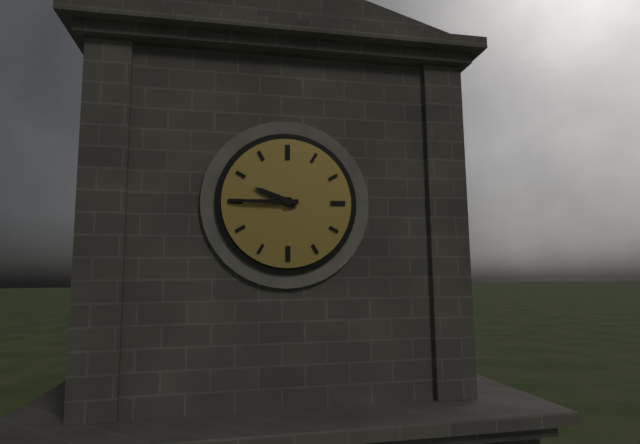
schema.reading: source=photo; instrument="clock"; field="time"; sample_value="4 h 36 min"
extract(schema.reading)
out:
9 h 45 min
